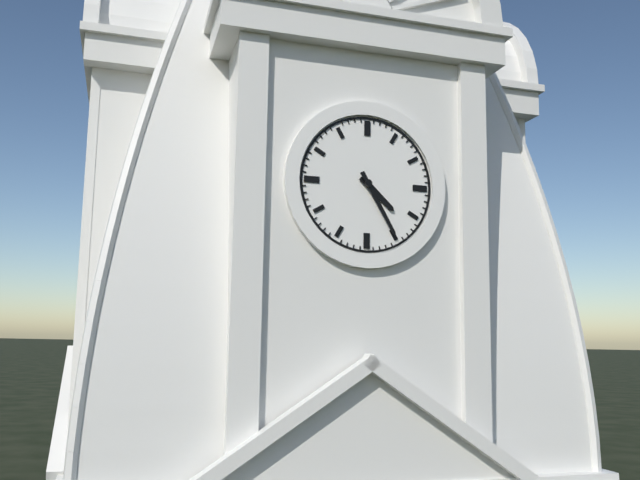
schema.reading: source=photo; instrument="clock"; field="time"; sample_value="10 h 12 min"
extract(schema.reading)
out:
4 h 25 min
